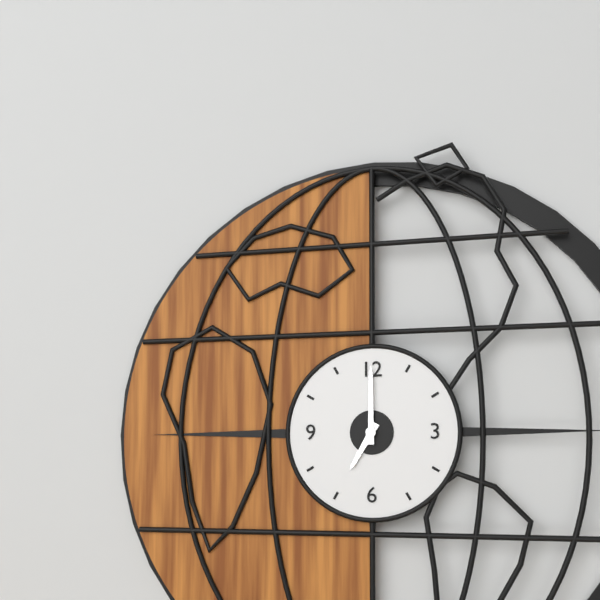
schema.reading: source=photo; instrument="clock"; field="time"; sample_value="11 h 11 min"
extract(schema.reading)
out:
7 h 00 min
